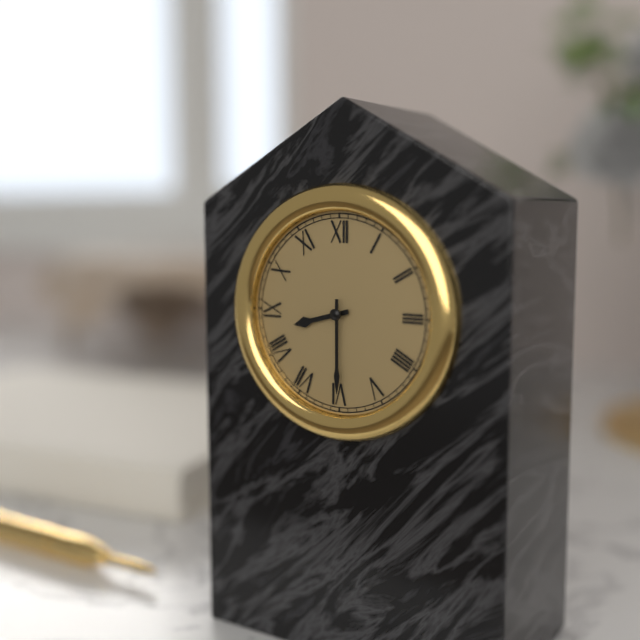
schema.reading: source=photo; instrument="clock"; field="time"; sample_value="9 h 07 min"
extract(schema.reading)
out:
8 h 30 min
